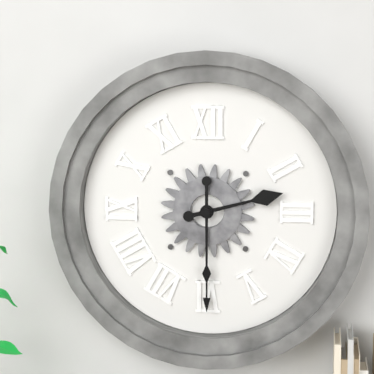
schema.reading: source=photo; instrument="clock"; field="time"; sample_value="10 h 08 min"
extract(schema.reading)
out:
2 h 30 min
